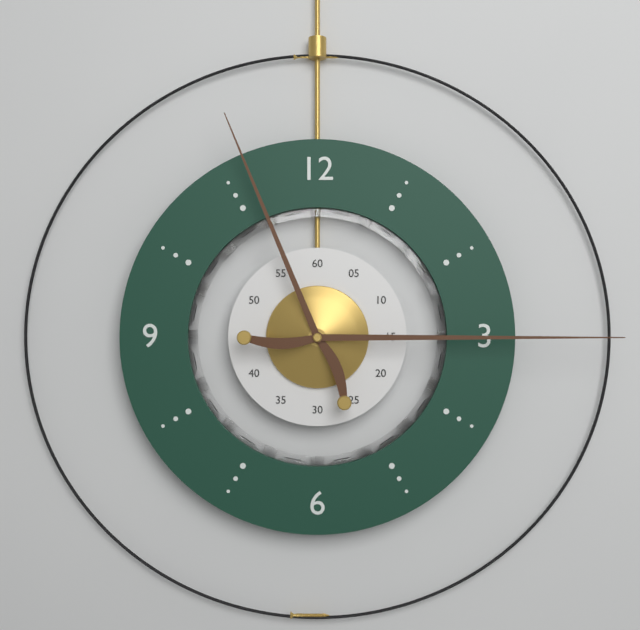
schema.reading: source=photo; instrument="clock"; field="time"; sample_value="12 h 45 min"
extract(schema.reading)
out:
11 h 15 min
